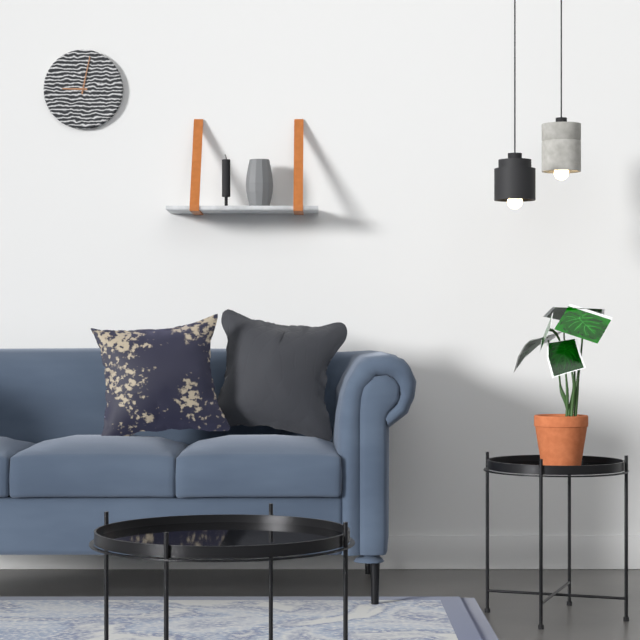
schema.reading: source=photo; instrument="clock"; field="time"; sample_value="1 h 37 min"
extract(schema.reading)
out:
9 h 02 min
